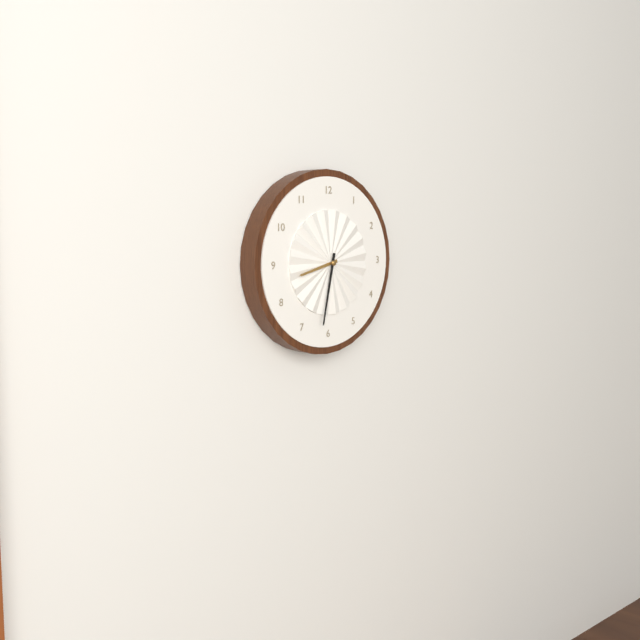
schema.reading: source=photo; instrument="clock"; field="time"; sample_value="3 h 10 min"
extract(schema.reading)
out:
8 h 32 min
